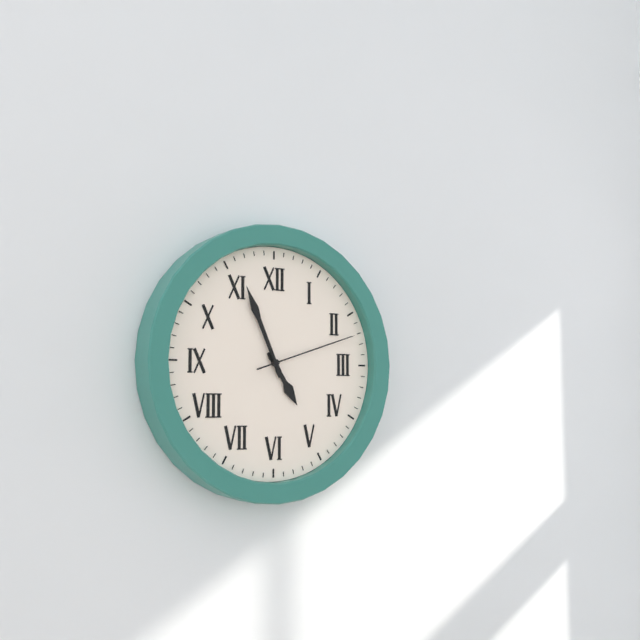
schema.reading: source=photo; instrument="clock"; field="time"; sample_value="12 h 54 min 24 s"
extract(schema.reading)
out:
4 h 56 min 12 s
